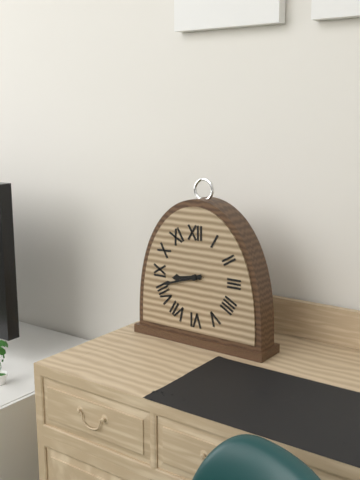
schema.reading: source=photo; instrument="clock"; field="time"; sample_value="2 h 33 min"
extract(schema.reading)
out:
8 h 42 min
